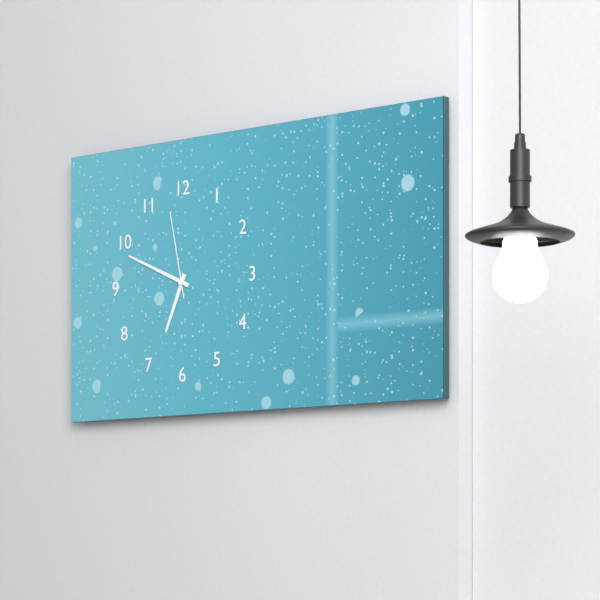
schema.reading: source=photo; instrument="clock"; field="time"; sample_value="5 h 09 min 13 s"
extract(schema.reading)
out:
6 h 49 min 58 s
